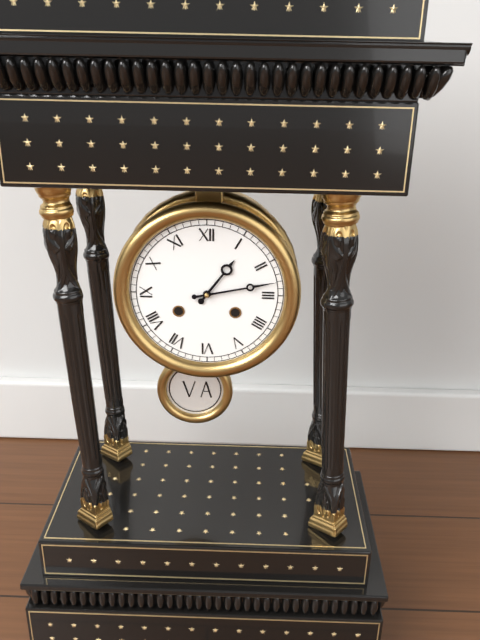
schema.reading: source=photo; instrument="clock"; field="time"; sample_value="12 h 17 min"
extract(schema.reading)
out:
1 h 13 min
